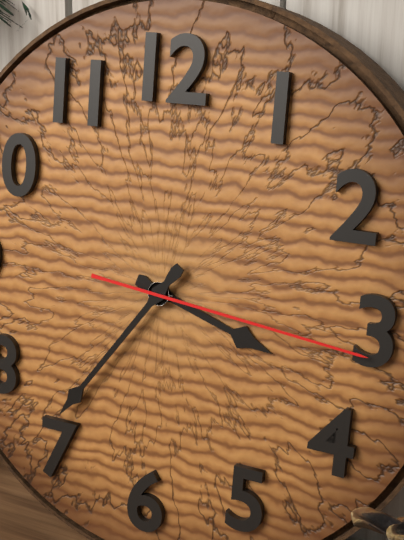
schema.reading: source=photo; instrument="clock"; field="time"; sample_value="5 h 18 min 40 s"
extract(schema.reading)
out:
3 h 36 min 16 s
